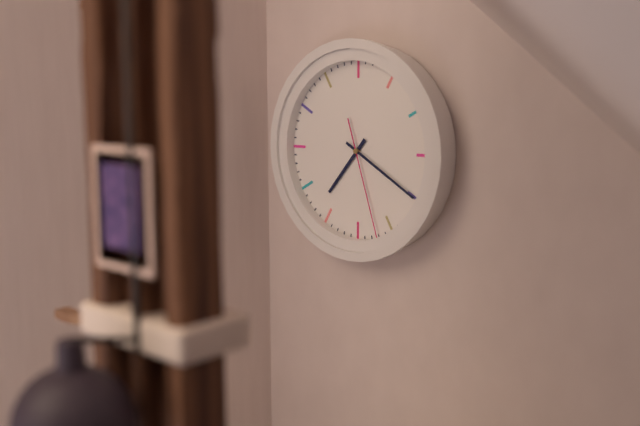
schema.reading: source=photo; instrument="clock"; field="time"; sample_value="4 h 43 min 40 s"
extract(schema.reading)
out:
7 h 20 min 27 s
